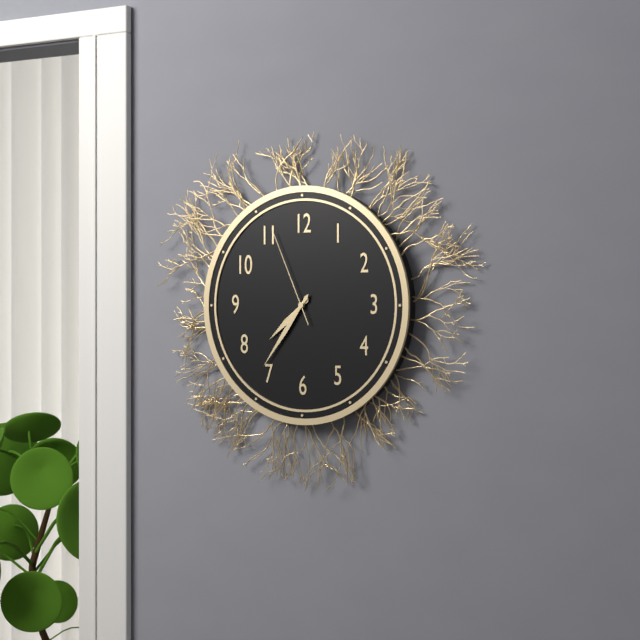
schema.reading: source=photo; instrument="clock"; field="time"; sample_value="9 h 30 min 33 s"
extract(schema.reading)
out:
7 h 36 min 56 s
